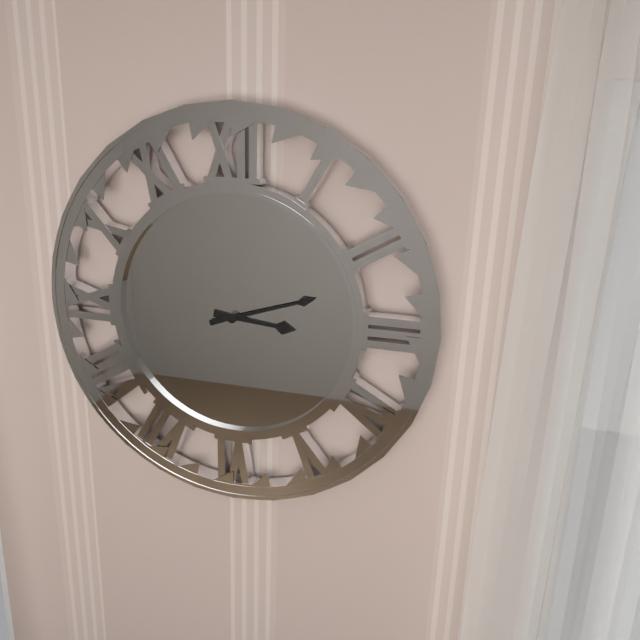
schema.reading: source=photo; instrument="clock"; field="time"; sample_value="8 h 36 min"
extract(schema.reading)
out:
3 h 12 min
